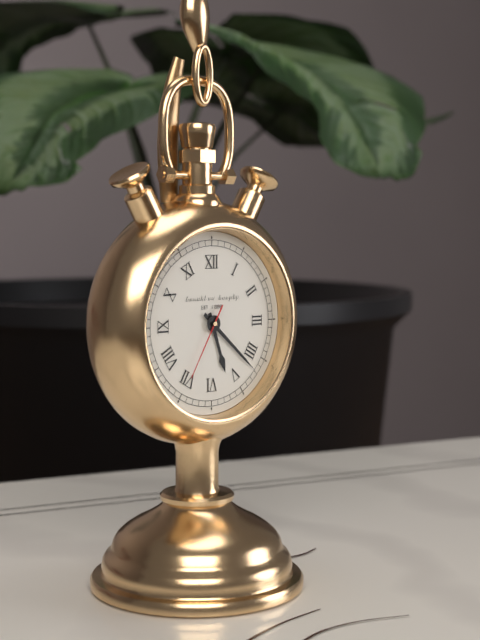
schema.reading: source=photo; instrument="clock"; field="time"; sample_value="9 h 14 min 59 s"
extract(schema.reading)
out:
5 h 22 min 35 s
